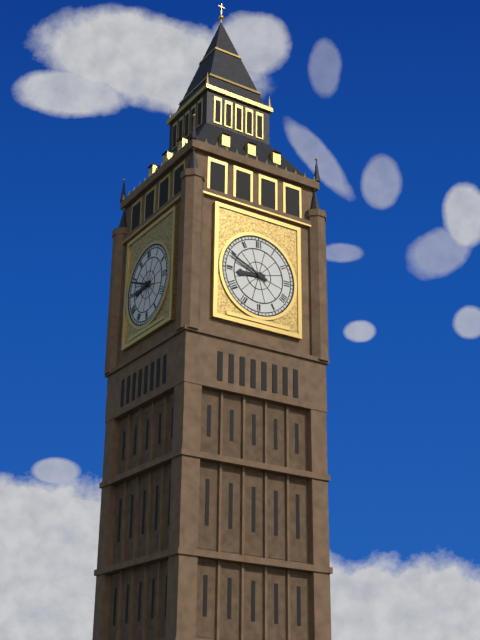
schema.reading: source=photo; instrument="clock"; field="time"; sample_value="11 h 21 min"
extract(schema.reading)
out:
8 h 49 min
